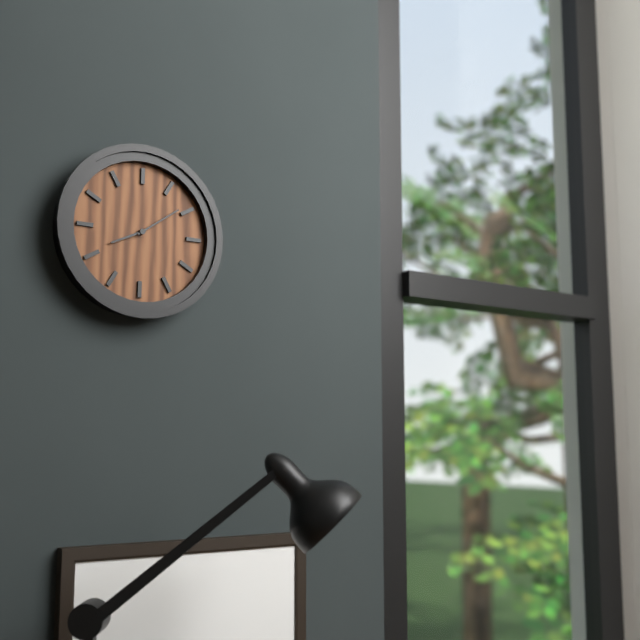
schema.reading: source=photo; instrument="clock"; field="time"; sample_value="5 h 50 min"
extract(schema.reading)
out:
8 h 09 min
